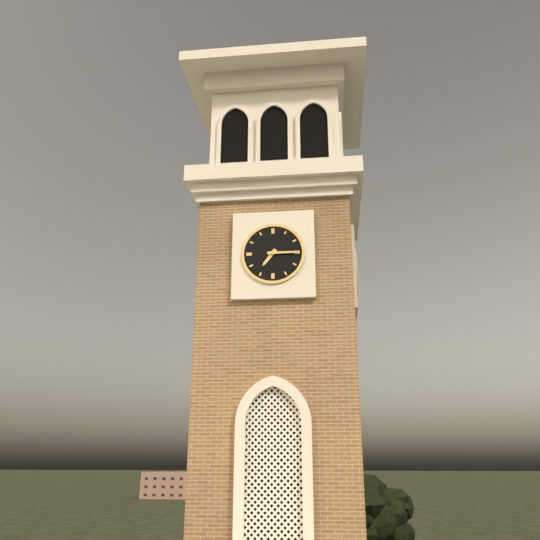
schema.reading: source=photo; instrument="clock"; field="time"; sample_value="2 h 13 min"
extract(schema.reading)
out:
7 h 15 min
